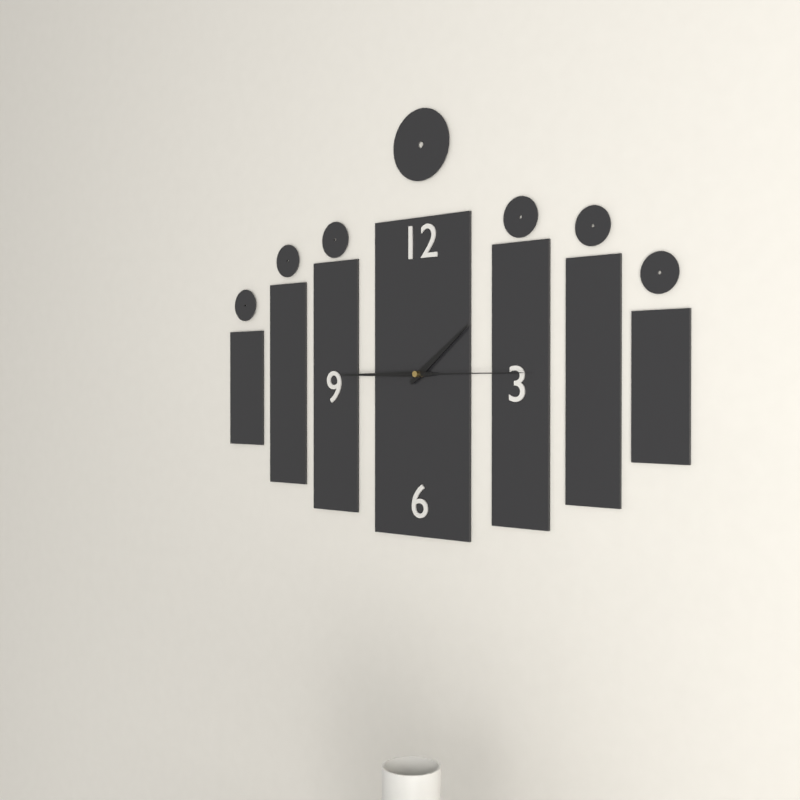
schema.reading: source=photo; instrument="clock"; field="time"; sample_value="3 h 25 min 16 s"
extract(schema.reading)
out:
1 h 45 min 15 s
